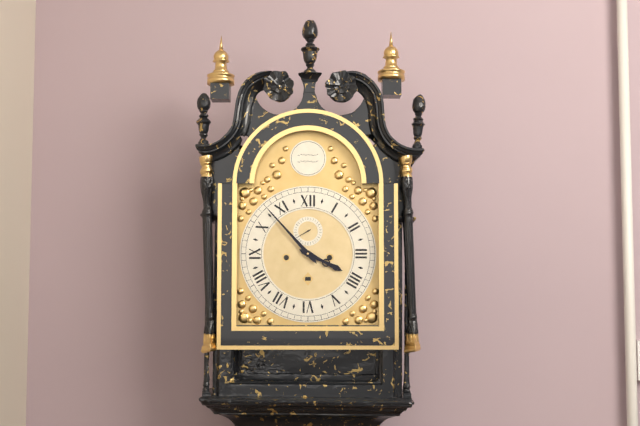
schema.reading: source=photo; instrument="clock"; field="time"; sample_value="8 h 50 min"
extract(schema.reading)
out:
3 h 53 min
